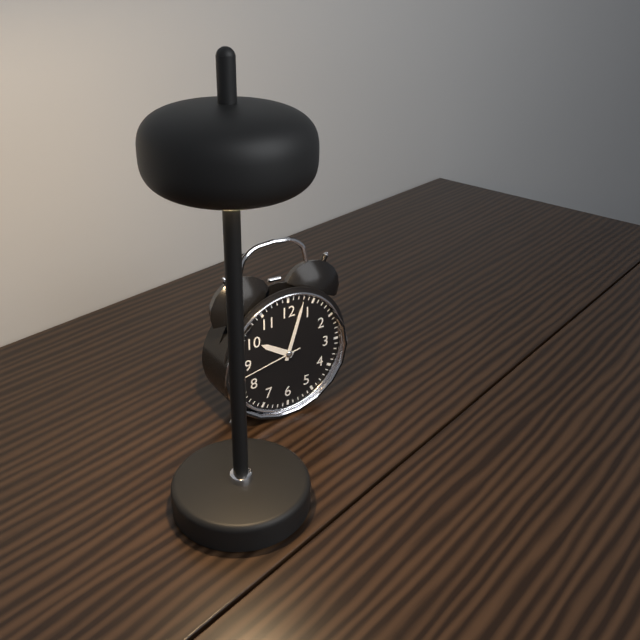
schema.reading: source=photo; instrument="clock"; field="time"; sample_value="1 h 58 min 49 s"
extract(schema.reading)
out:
10 h 03 min 43 s
